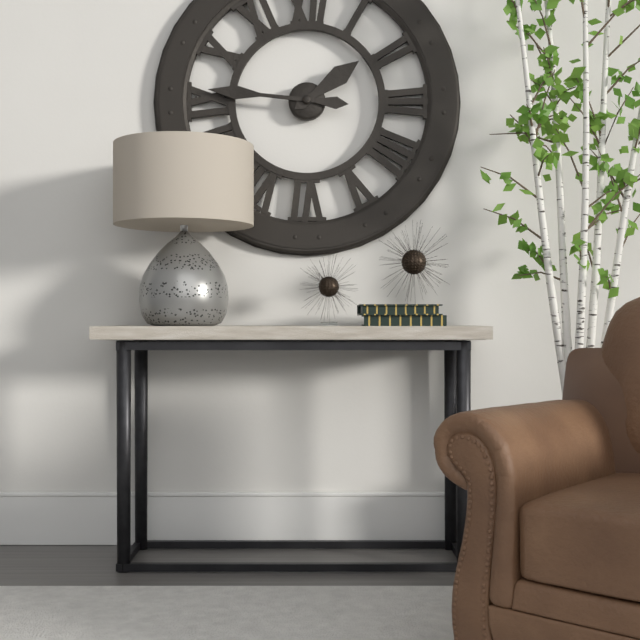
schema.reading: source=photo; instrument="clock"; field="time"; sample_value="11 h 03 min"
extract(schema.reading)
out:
1 h 46 min
